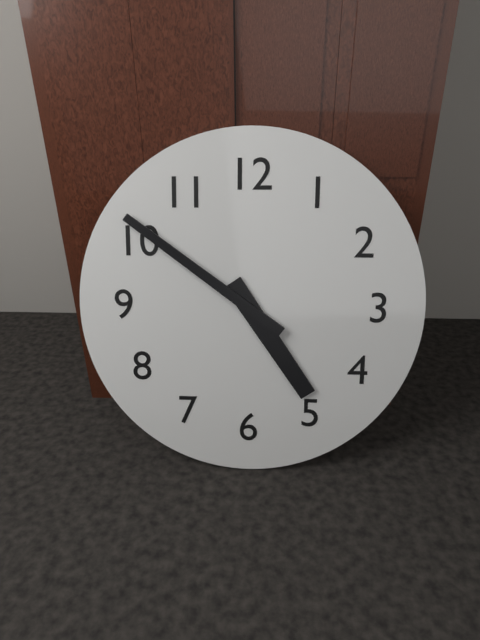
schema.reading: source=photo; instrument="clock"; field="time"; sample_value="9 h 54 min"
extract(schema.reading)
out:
4 h 51 min
